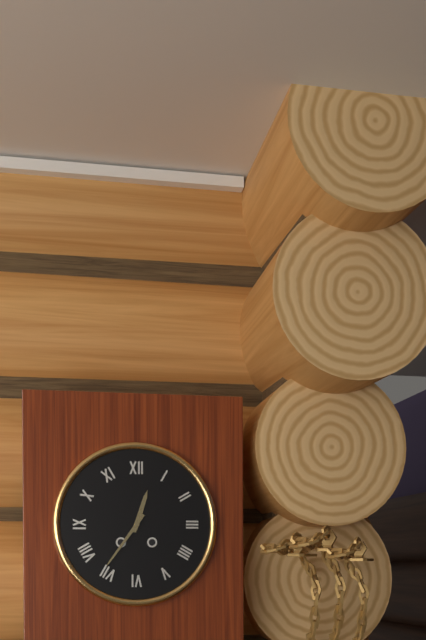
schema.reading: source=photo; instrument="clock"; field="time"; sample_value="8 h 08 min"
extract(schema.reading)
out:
12 h 36 min
